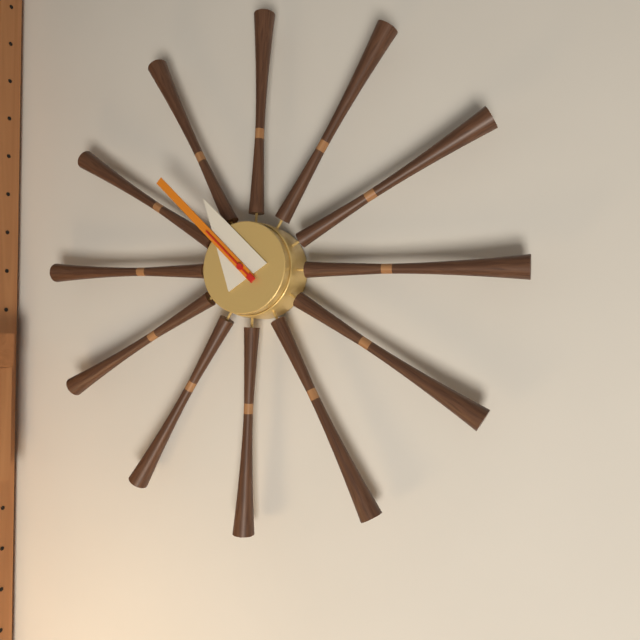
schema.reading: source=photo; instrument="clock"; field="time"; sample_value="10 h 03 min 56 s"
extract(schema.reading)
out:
10 h 52 min 52 s
